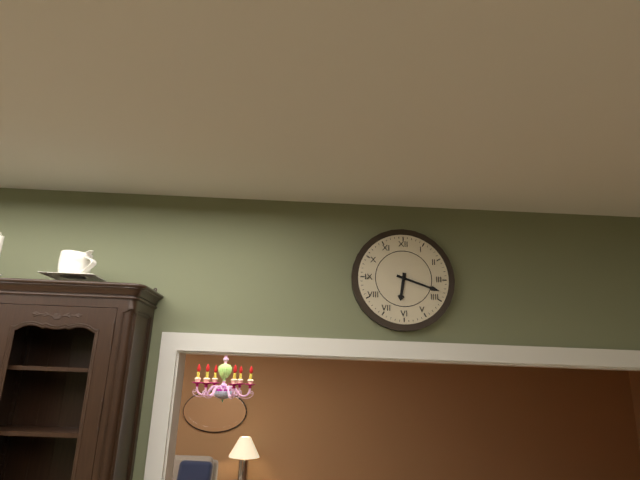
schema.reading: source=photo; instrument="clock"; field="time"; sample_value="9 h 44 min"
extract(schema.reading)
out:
6 h 18 min
